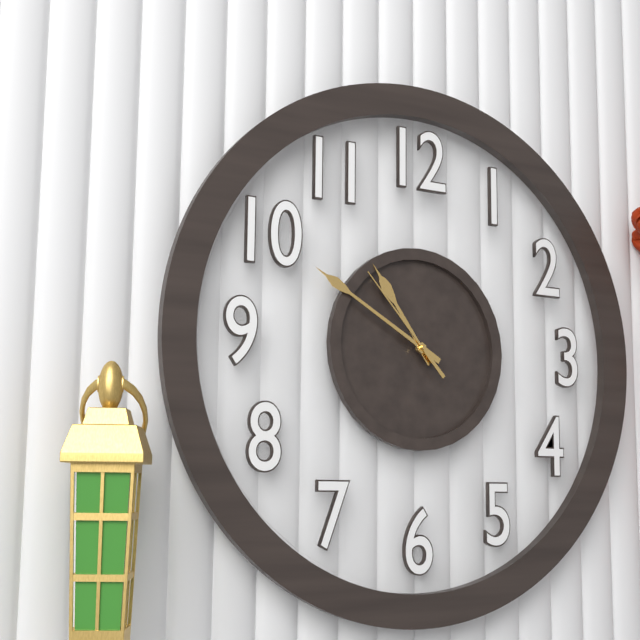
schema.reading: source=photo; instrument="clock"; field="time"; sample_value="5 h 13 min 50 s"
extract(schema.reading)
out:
10 h 50 min 53 s
